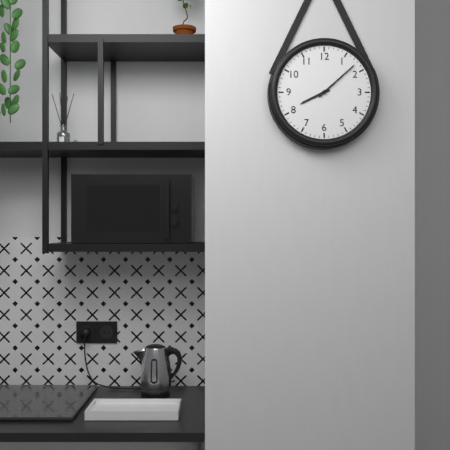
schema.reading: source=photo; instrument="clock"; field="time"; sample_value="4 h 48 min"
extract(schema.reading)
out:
8 h 08 min
